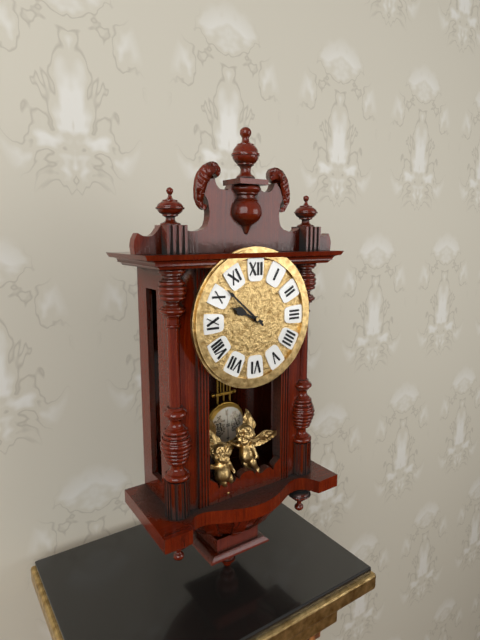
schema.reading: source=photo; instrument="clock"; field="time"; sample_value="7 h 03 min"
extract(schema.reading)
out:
9 h 52 min
